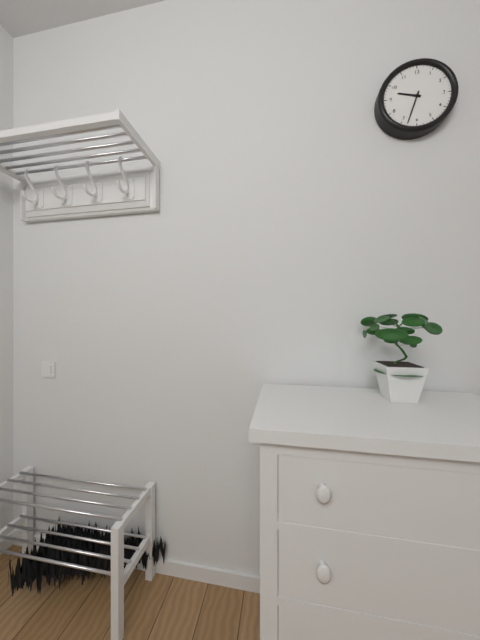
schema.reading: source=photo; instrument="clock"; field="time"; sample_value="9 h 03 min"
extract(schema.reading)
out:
9 h 33 min
